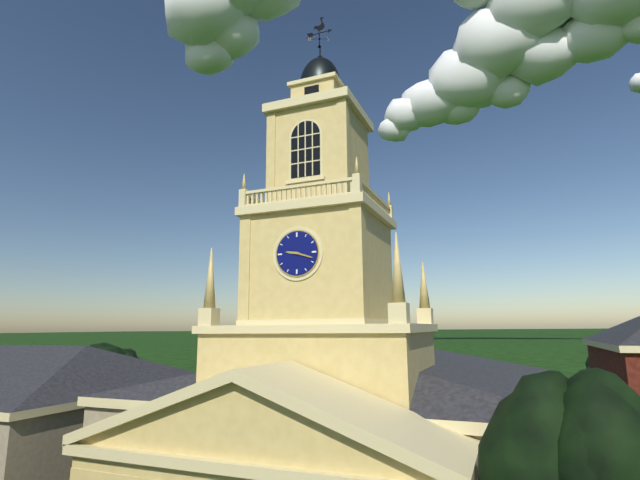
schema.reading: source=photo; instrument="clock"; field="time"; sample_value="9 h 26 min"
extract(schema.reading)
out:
9 h 18 min
